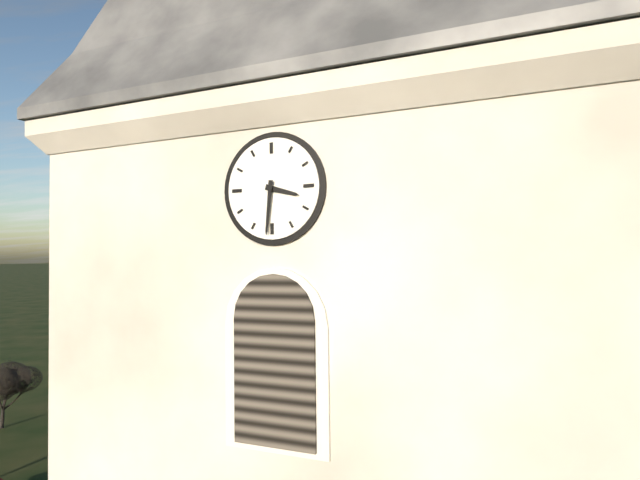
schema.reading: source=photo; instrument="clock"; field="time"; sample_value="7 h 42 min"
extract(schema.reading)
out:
3 h 31 min
